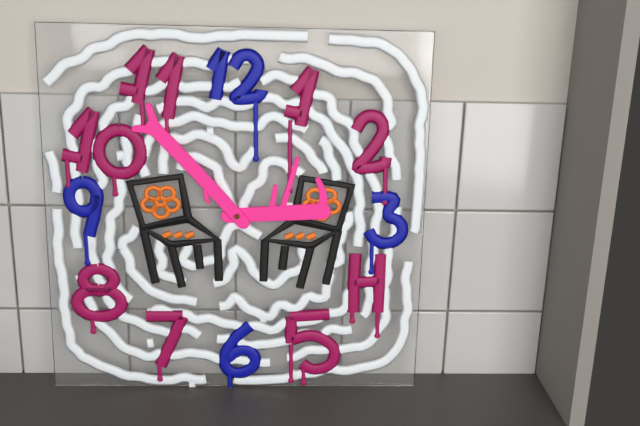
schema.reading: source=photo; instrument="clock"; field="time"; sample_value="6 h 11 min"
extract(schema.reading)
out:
2 h 53 min
